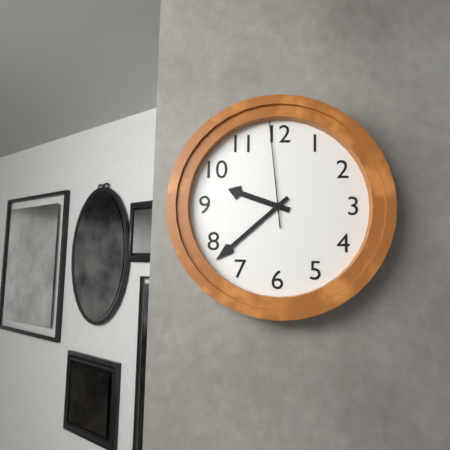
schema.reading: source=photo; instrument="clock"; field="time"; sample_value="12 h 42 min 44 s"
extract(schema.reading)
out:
9 h 38 min 59 s
